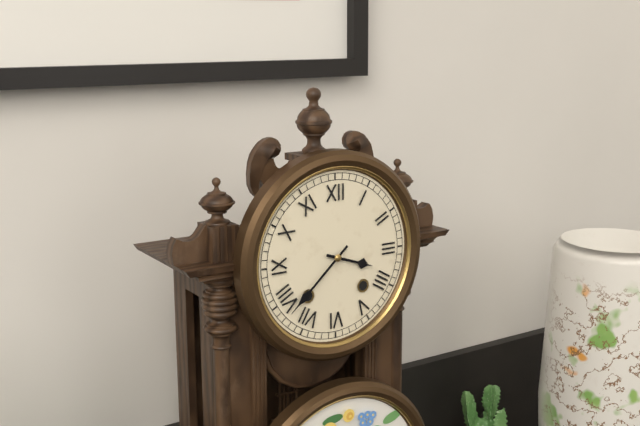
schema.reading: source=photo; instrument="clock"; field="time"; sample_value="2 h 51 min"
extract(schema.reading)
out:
3 h 38 min
